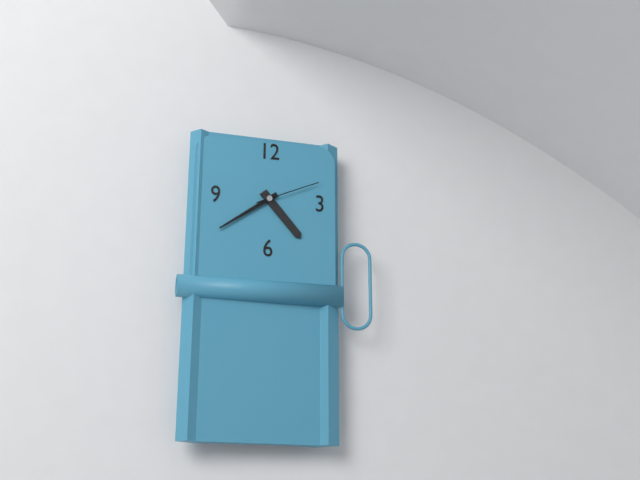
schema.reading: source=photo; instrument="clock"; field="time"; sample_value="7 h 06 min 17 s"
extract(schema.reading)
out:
4 h 39 min 11 s
